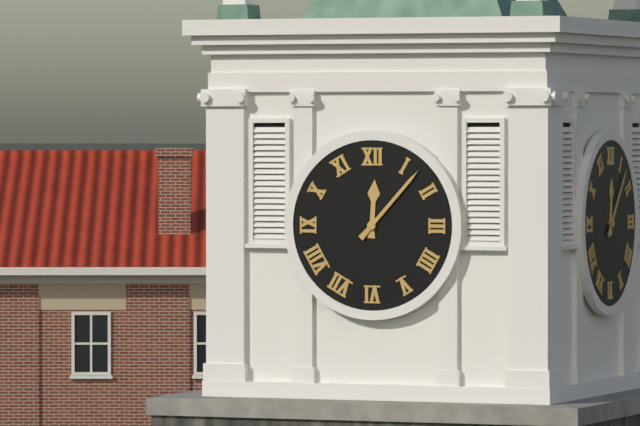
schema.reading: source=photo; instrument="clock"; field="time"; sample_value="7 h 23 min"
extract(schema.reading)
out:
12 h 07 min
